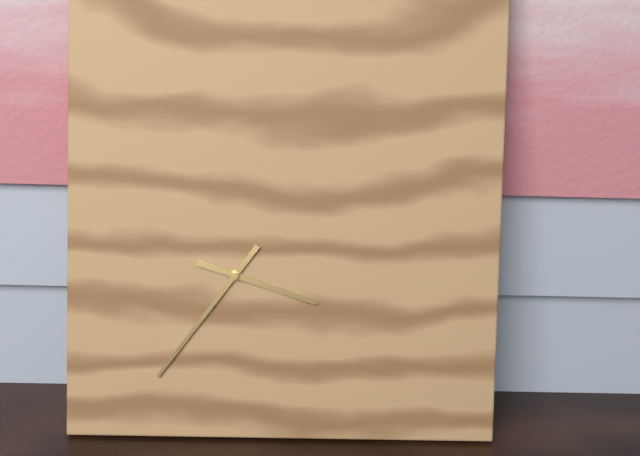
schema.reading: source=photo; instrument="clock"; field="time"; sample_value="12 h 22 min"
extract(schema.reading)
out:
3 h 36 min
